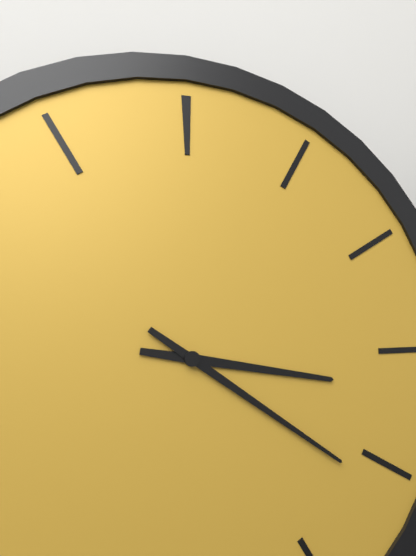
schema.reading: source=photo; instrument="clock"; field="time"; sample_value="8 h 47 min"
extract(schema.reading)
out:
3 h 21 min
